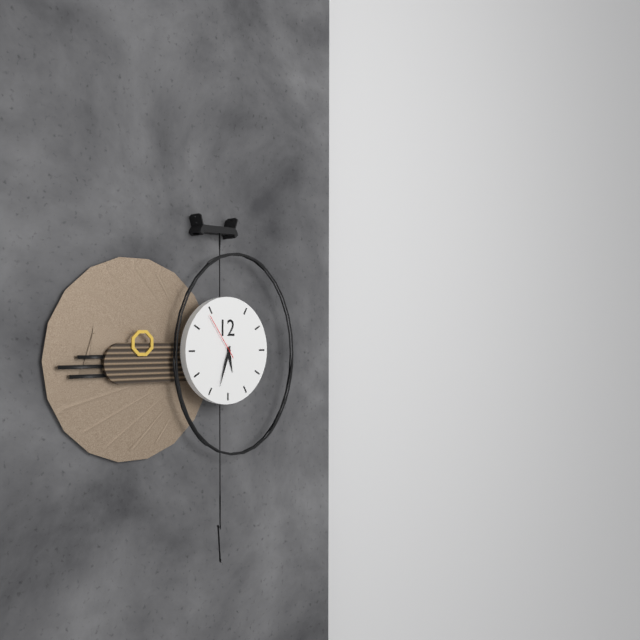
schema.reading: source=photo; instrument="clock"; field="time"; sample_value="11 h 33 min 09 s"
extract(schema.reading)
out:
5 h 33 min 54 s
